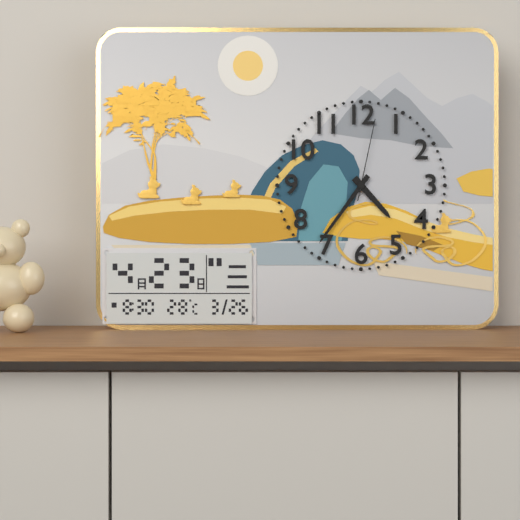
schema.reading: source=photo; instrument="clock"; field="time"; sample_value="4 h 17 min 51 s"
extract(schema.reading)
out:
4 h 36 min 02 s
